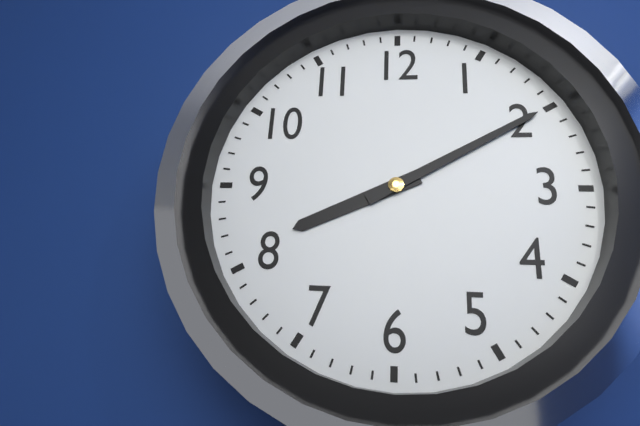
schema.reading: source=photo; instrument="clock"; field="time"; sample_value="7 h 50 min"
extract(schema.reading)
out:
8 h 10 min
